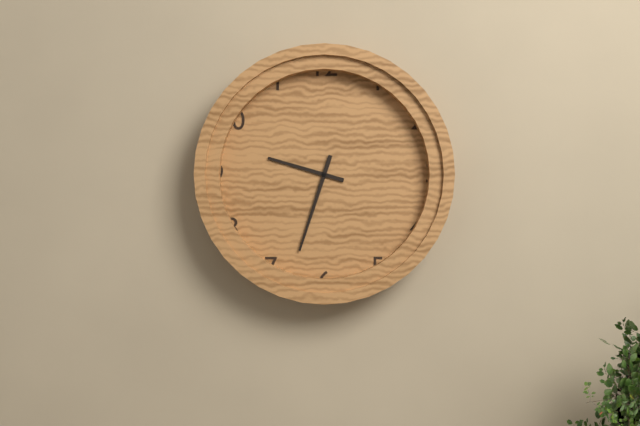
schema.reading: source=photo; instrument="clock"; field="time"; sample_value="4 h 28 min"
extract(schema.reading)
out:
9 h 33 min
